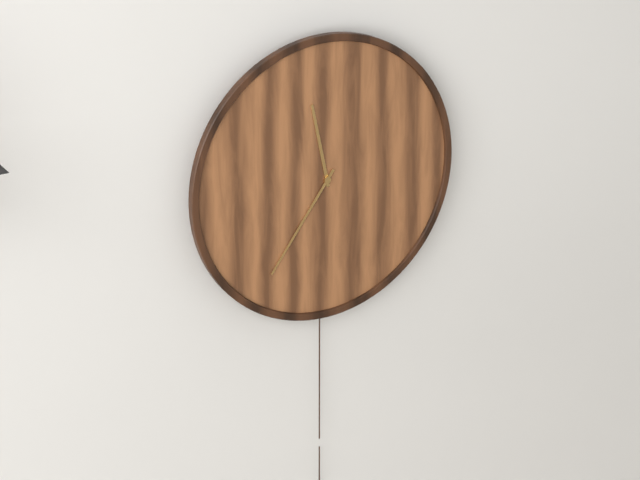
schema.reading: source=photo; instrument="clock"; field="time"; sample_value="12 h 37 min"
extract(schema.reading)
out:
11 h 36 min
